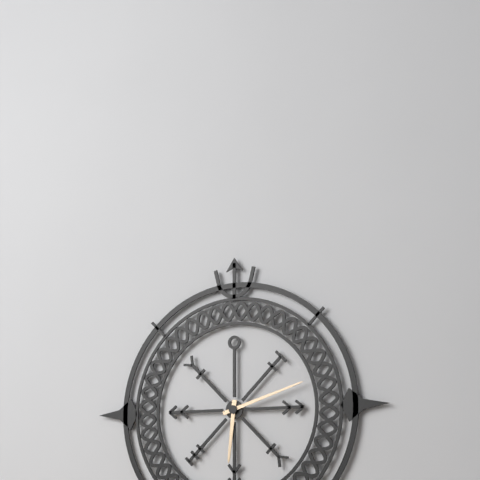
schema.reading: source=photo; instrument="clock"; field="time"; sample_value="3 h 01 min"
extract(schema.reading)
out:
6 h 12 min
